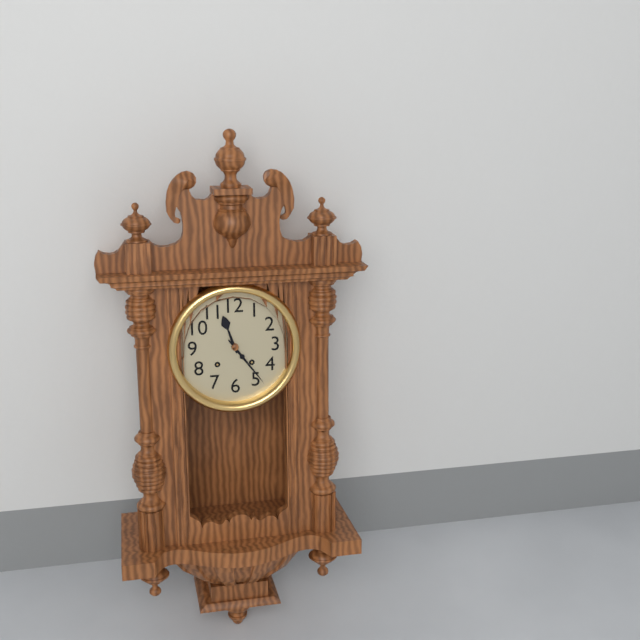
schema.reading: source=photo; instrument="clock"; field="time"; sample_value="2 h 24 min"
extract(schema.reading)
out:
11 h 24 min
